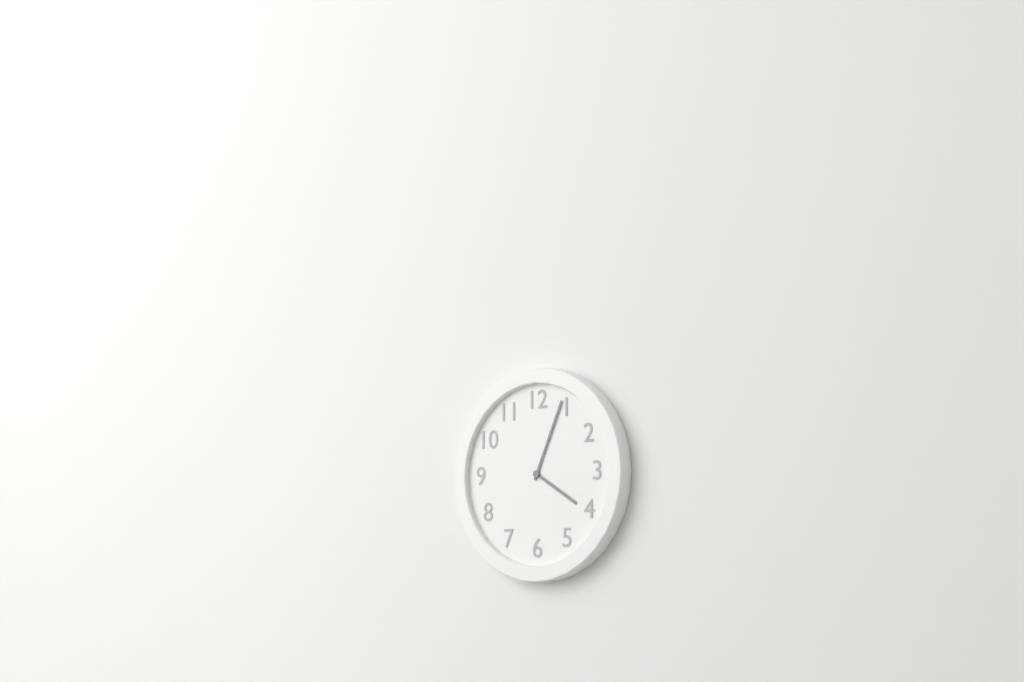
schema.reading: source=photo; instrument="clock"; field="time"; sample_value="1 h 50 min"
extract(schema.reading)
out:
4 h 04 min
